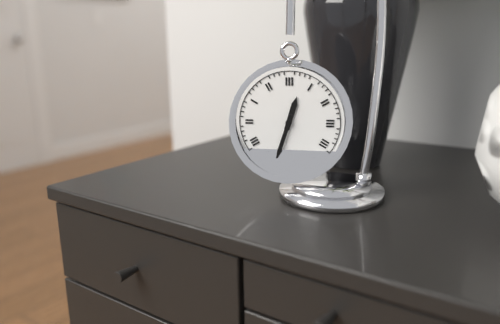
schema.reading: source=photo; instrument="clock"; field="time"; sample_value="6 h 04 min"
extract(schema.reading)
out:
12 h 33 min
